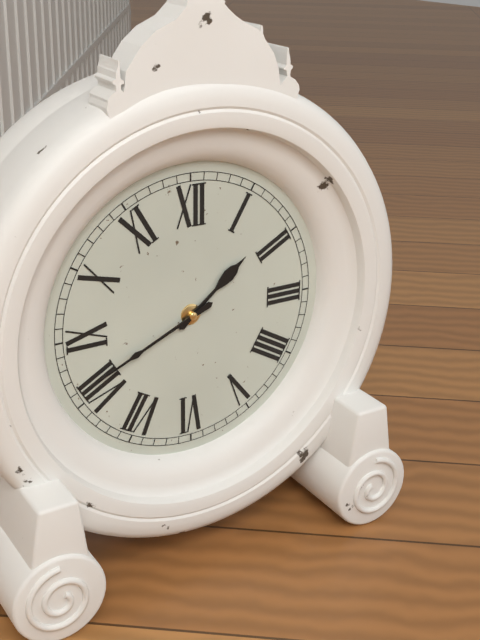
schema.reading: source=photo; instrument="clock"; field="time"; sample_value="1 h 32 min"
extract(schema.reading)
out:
1 h 41 min
